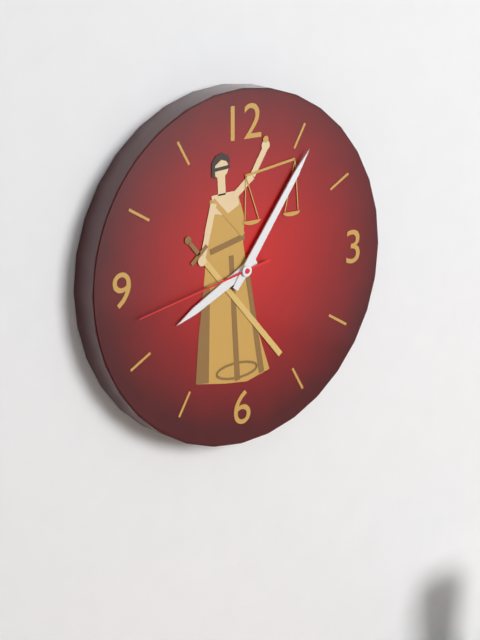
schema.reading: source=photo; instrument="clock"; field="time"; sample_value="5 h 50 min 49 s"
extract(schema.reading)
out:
8 h 06 min 43 s
